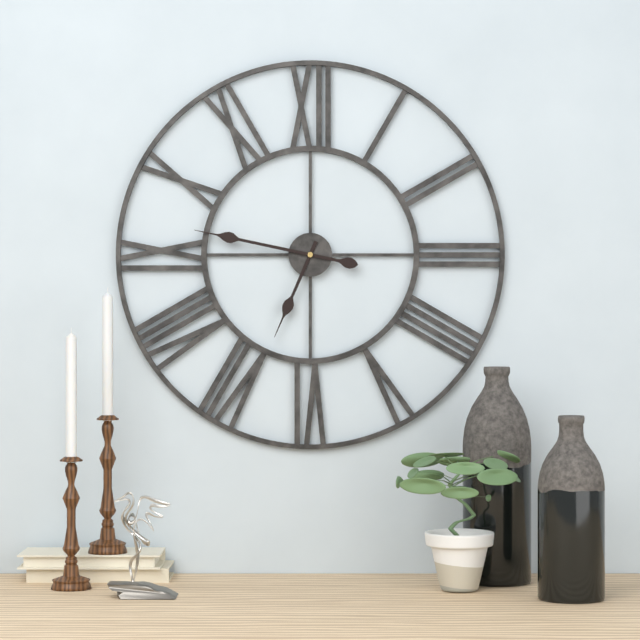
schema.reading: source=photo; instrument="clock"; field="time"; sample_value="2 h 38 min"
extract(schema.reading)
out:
6 h 47 min
